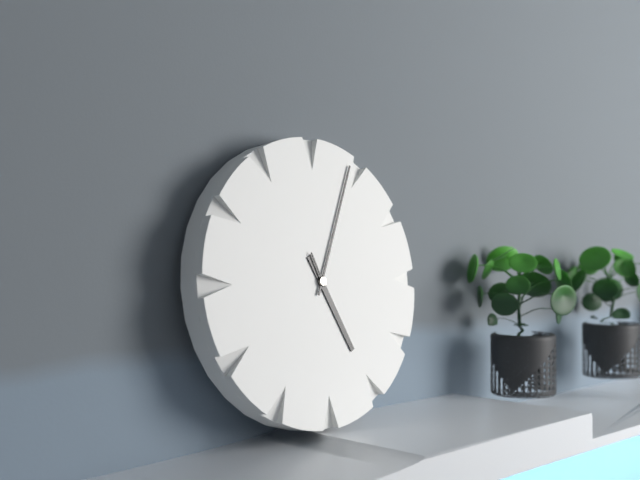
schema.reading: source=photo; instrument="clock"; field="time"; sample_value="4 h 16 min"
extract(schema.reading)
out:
5 h 04 min
